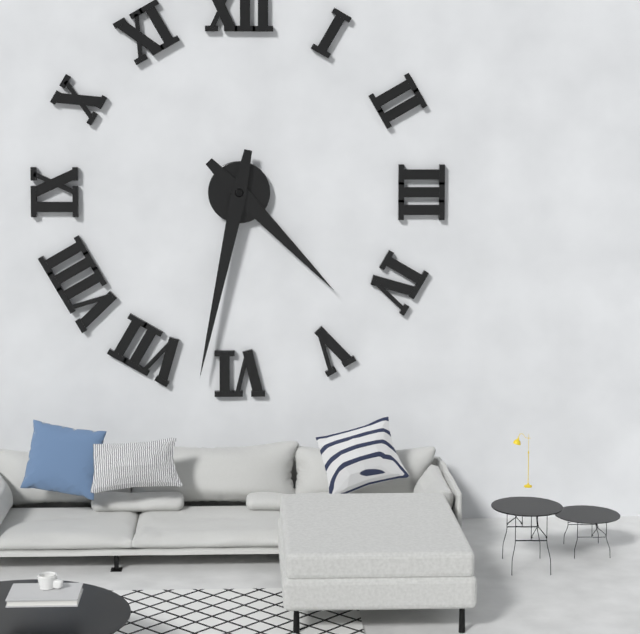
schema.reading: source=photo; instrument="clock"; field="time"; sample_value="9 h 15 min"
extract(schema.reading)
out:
4 h 32 min
